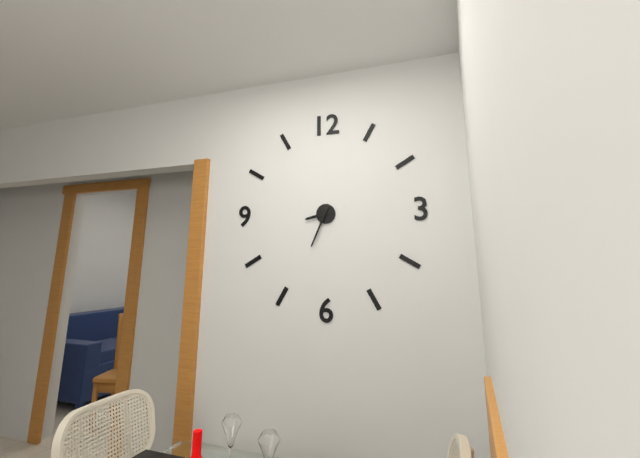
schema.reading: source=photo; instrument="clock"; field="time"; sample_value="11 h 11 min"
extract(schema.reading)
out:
8 h 34 min
